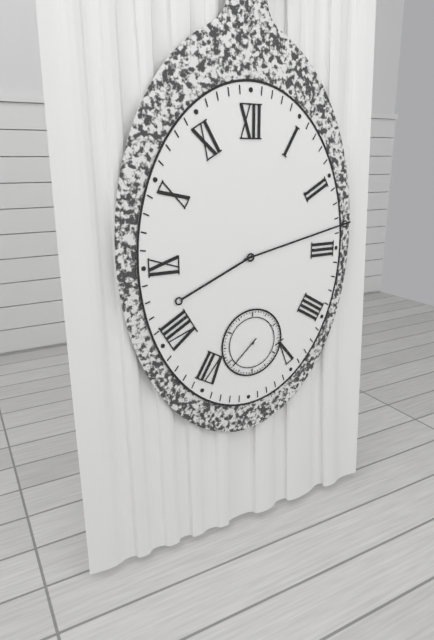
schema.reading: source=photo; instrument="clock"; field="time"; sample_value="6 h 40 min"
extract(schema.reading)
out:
8 h 13 min
